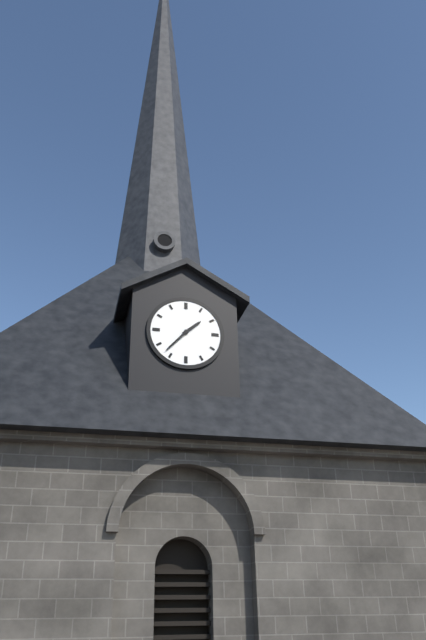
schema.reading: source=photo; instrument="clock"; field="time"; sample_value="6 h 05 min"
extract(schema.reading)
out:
1 h 37 min
